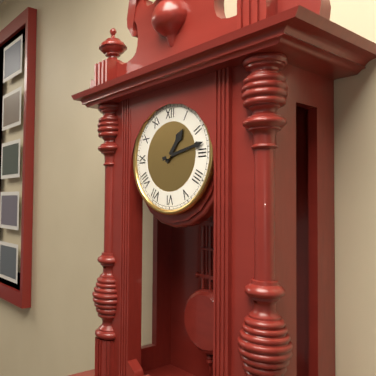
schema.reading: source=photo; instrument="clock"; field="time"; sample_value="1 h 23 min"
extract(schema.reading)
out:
1 h 13 min
